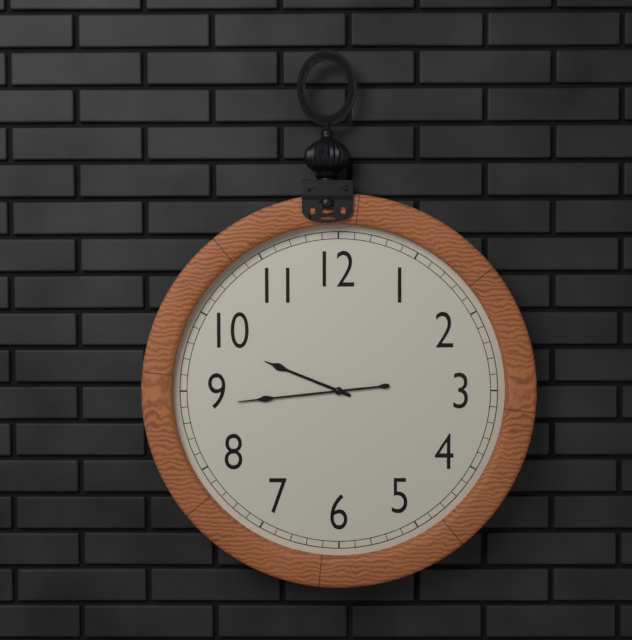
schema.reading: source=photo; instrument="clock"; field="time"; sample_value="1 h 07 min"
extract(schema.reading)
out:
9 h 44 min
